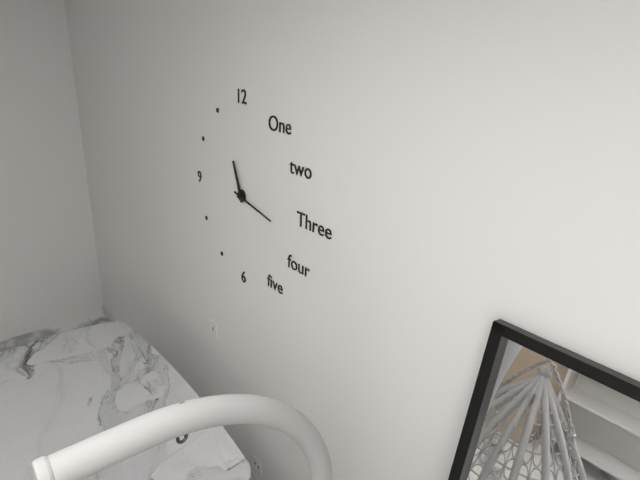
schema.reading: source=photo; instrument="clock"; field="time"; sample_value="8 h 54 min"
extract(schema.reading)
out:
11 h 17 min
